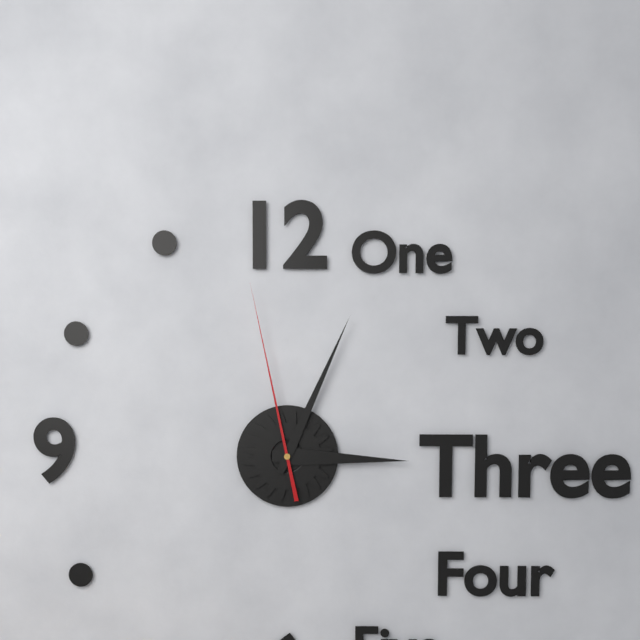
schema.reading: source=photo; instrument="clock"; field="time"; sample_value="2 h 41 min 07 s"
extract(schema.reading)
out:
3 h 04 min 58 s
